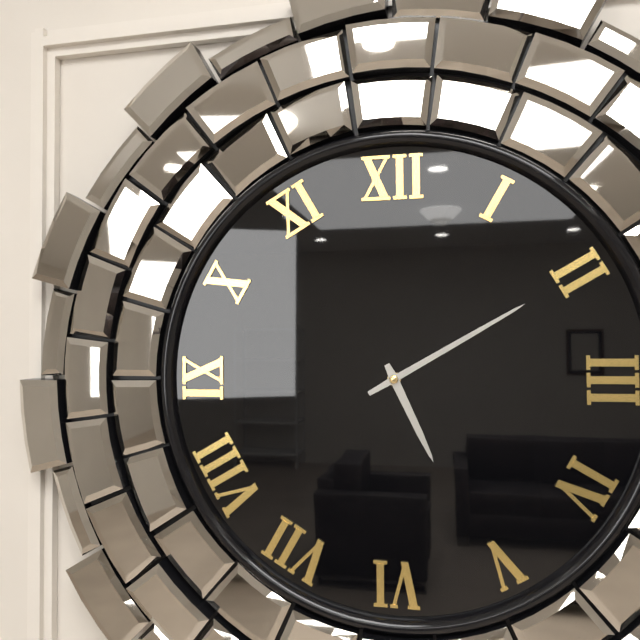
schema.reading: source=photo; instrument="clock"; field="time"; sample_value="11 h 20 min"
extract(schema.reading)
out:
5 h 10 min
